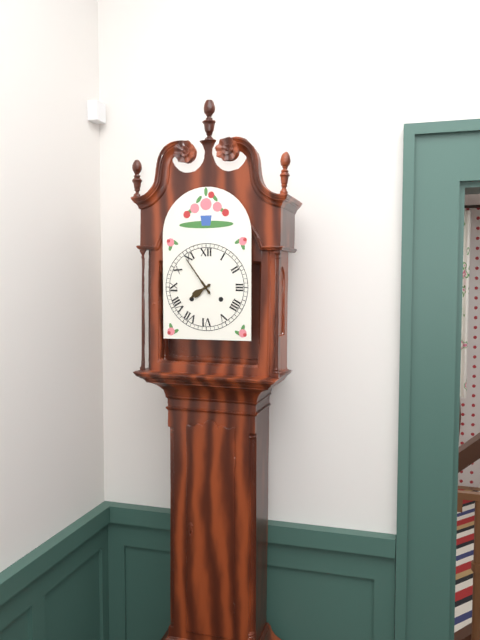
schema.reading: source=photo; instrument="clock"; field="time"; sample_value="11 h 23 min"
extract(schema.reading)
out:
7 h 54 min
